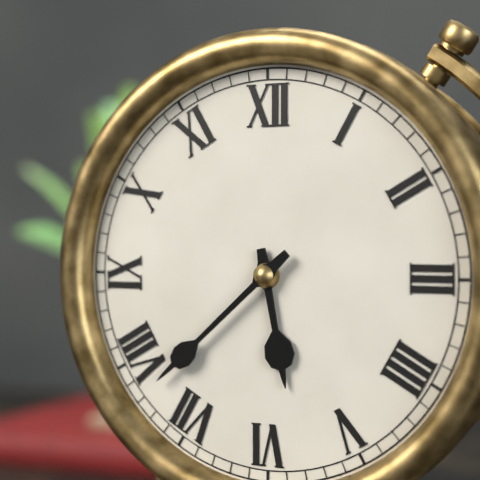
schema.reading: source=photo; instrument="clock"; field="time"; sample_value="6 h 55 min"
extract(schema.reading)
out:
5 h 38 min
